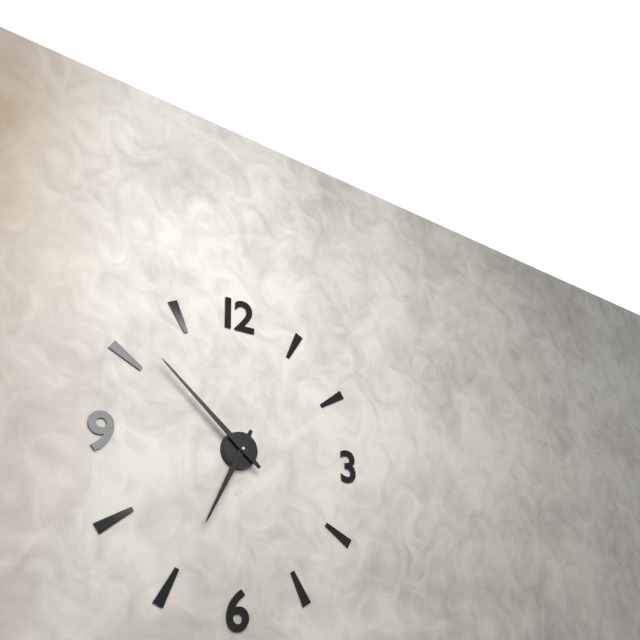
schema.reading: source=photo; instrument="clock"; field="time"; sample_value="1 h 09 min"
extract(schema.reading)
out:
6 h 52 min
